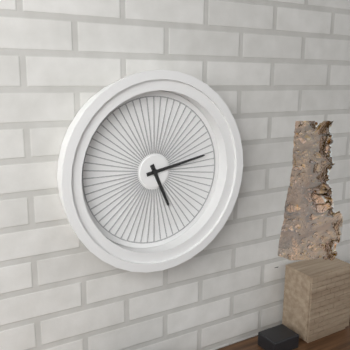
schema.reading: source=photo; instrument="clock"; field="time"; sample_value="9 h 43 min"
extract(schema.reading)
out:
5 h 13 min
